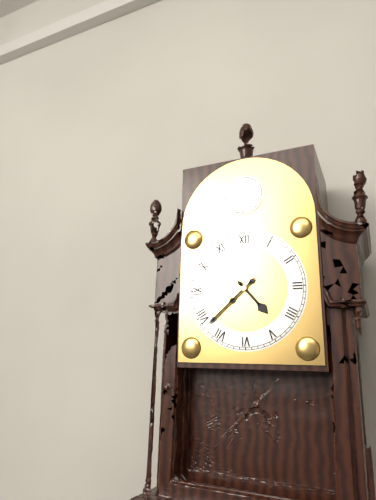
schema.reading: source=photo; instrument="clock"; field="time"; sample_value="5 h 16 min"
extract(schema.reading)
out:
4 h 38 min
